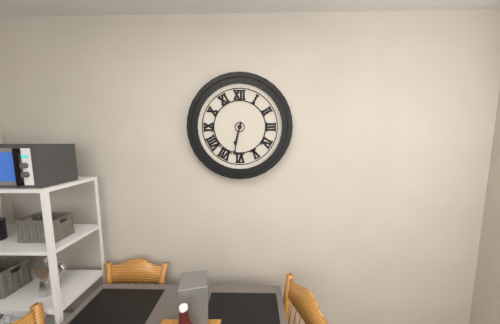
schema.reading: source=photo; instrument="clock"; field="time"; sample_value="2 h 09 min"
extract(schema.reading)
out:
6 h 32 min
